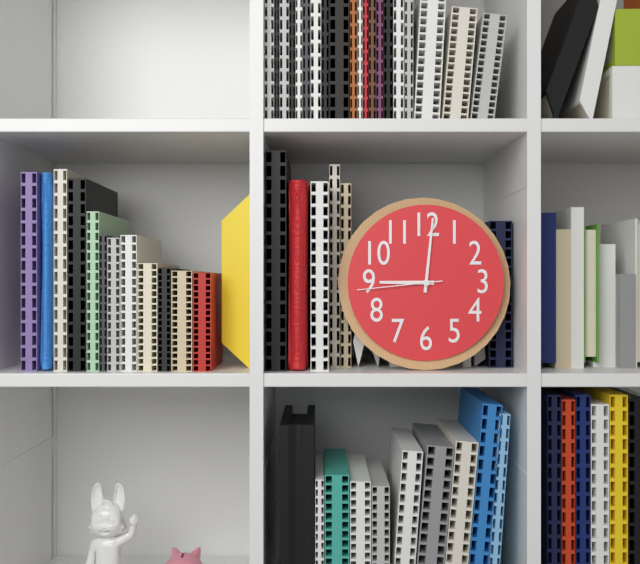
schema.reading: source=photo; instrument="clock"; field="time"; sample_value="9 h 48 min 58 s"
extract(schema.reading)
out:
9 h 01 min 44 s
